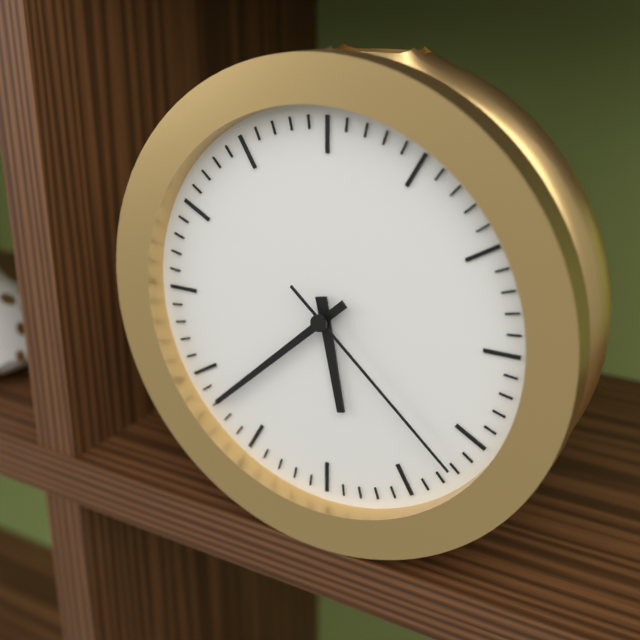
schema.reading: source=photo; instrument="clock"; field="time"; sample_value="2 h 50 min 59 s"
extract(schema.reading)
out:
5 h 38 min 22 s
